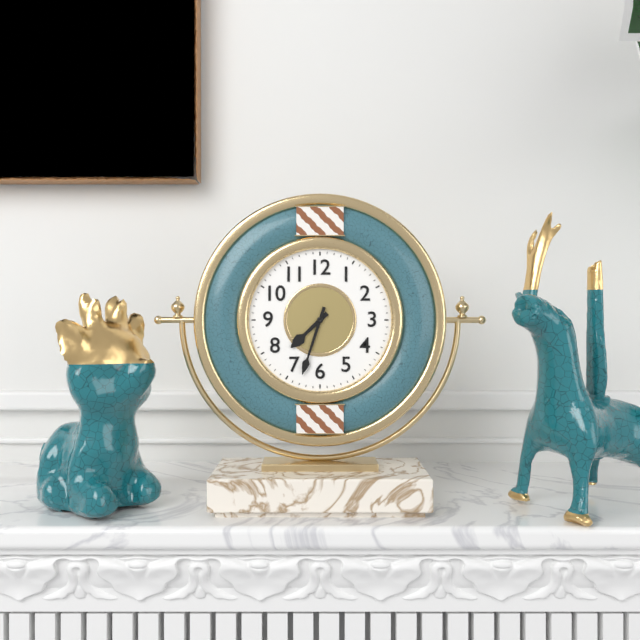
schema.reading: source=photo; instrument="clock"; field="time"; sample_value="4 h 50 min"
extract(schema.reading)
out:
7 h 33 min
